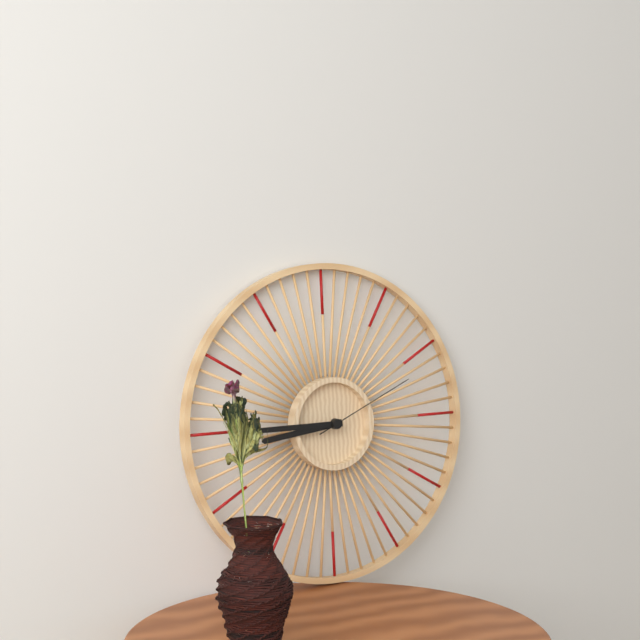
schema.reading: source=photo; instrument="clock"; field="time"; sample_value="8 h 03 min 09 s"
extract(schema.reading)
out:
8 h 45 min 11 s
